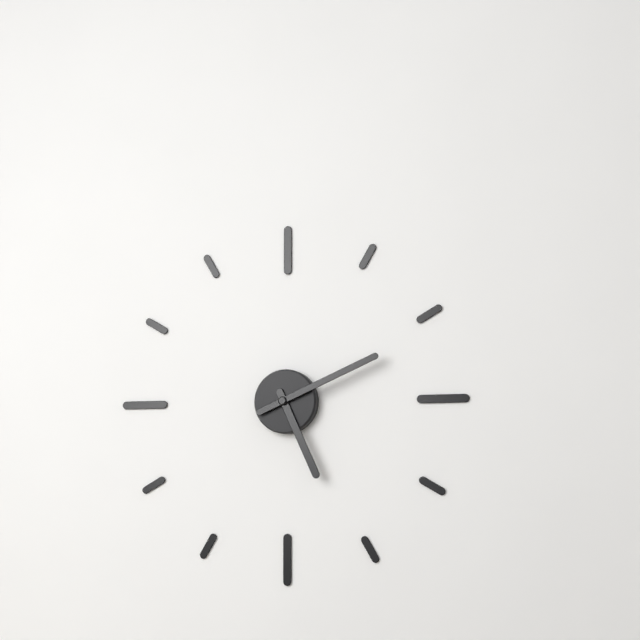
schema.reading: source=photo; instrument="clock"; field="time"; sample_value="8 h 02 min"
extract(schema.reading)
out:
5 h 11 min
